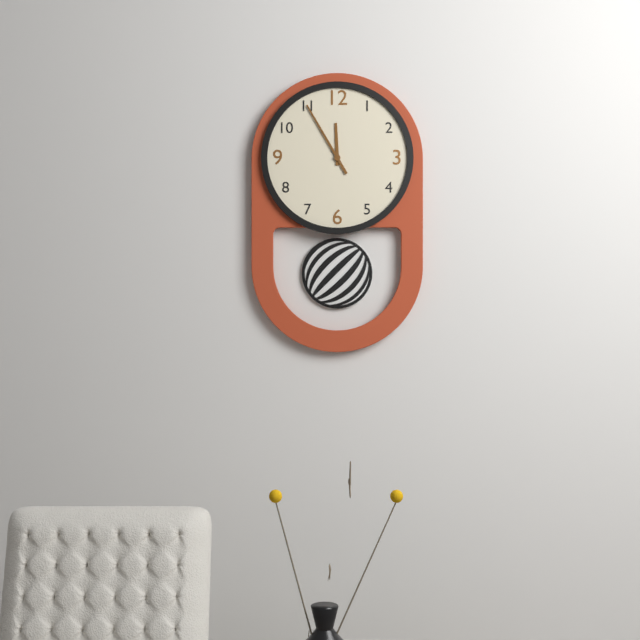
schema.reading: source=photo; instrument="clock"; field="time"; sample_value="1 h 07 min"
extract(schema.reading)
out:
11 h 55 min
